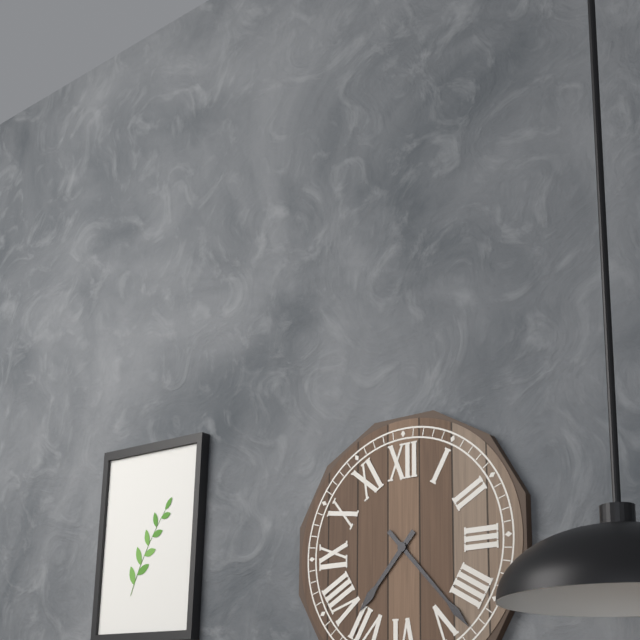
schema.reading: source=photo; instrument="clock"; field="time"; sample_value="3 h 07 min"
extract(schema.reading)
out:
7 h 23 min
